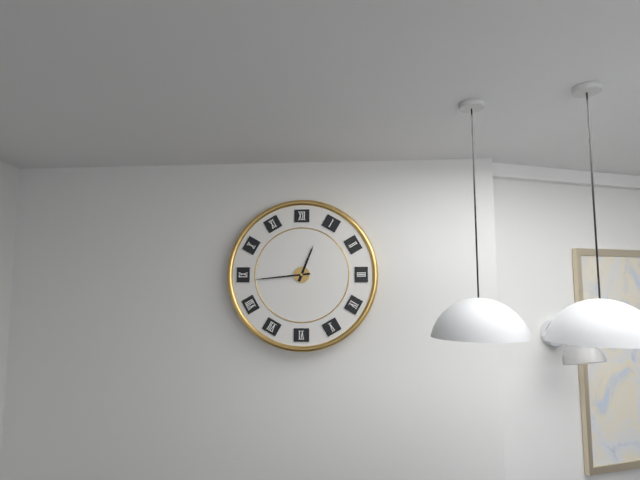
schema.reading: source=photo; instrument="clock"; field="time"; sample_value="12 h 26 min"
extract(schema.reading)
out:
12 h 44 min
